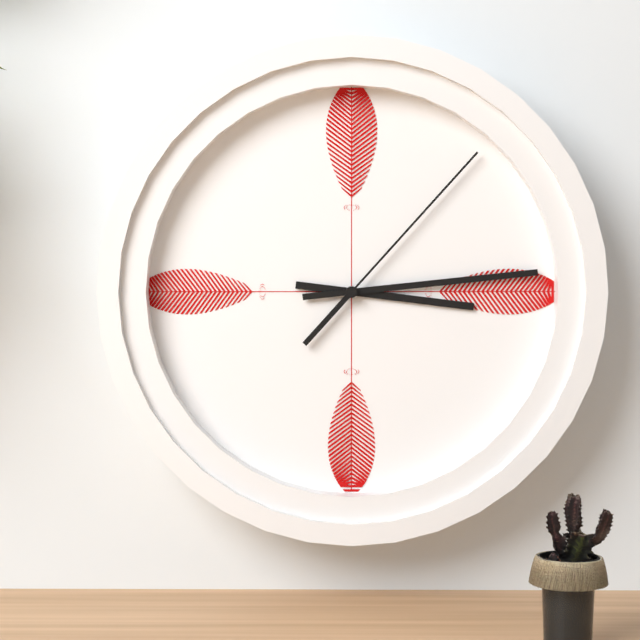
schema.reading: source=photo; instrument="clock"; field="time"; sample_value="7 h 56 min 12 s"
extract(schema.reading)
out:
3 h 14 min 07 s
